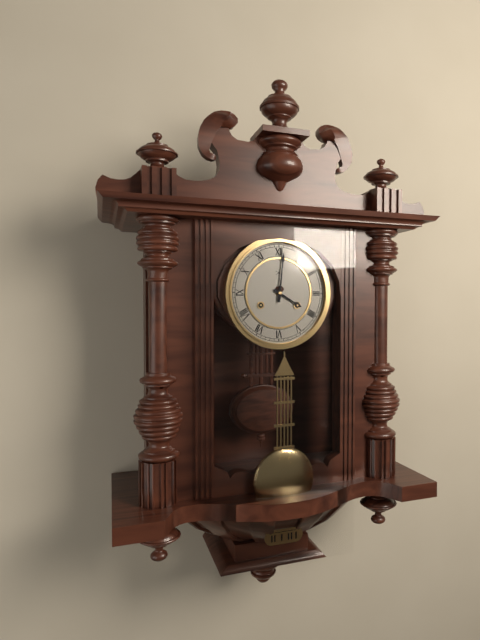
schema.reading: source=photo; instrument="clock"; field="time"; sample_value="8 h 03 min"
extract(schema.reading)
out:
4 h 01 min
